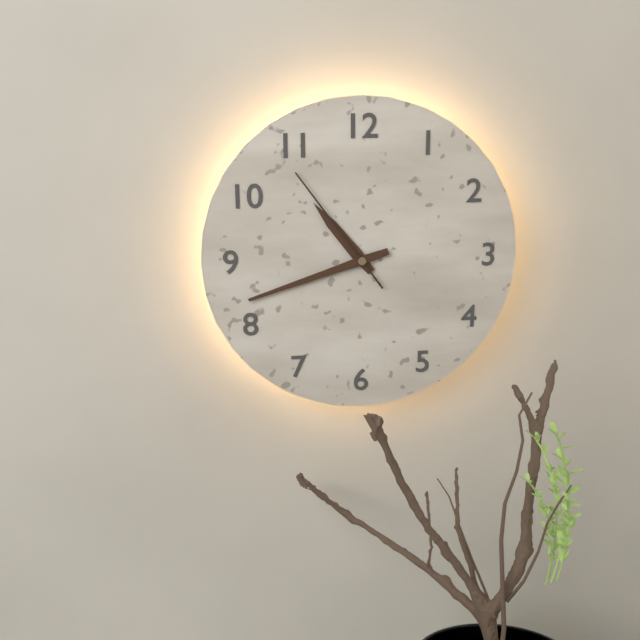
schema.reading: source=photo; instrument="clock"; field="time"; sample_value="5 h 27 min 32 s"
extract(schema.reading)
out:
10 h 42 min 54 s
